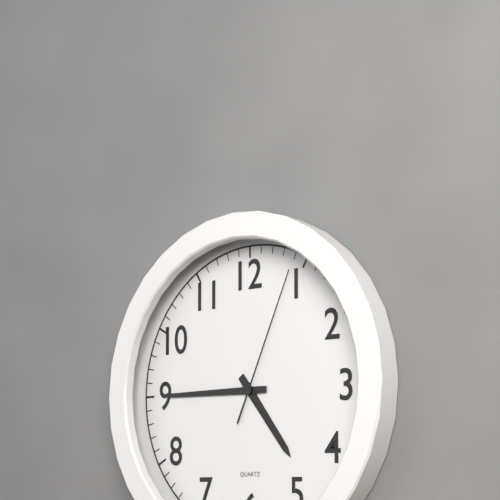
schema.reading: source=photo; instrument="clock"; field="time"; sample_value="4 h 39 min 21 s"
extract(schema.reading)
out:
4 h 45 min 04 s
